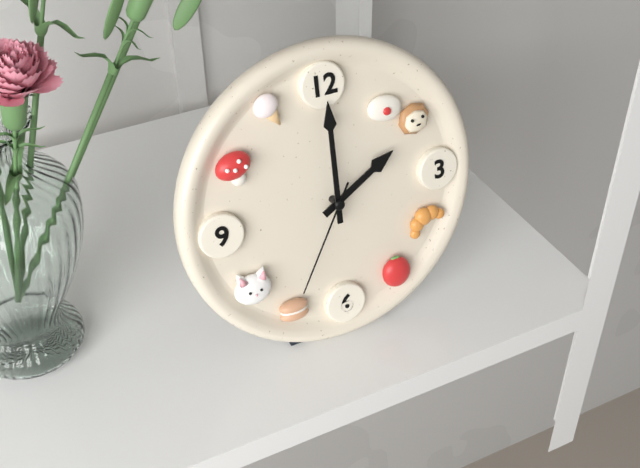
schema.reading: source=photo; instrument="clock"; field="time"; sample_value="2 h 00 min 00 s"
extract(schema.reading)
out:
2 h 00 min 35 s
